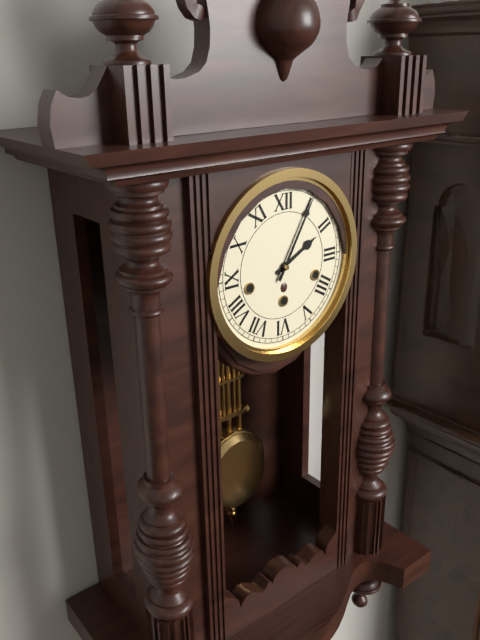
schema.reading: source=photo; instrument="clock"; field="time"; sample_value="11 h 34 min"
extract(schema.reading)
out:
2 h 05 min
